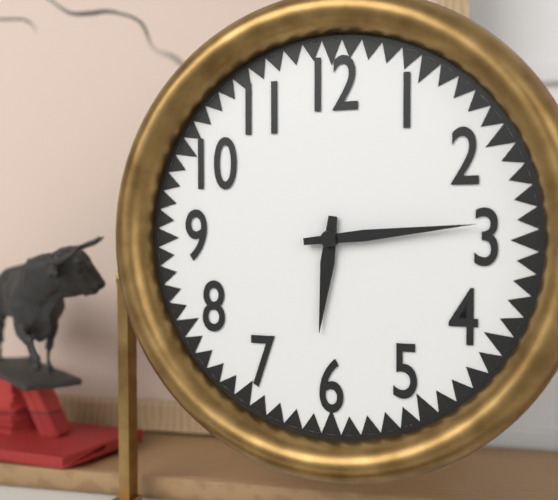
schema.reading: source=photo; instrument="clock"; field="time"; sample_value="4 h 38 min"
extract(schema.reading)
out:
6 h 14 min
